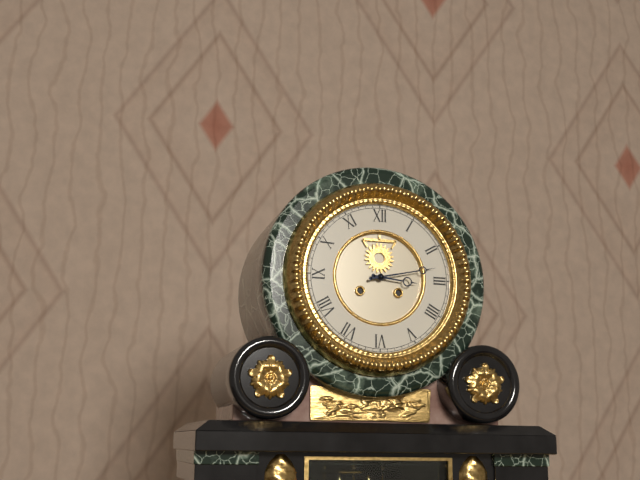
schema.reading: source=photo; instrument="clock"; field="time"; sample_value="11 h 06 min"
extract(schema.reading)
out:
3 h 13 min
